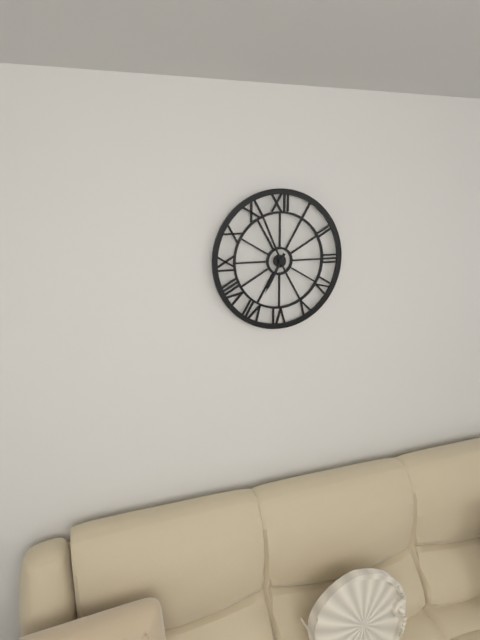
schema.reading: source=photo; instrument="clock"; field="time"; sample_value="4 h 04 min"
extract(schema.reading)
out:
6 h 56 min
